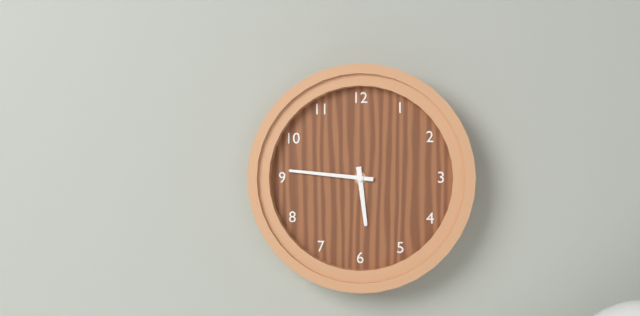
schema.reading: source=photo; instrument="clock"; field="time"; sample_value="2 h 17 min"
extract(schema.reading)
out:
5 h 46 min
